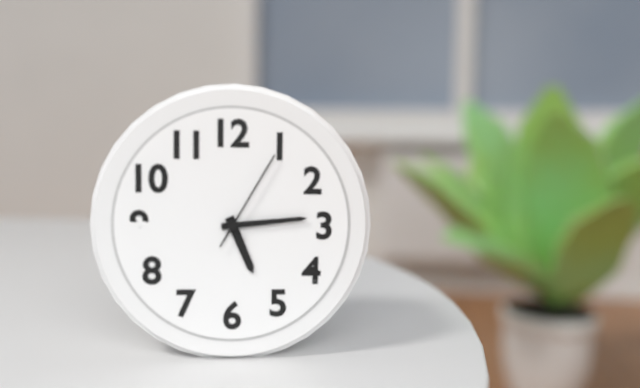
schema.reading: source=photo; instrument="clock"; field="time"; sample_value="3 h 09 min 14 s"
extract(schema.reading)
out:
5 h 14 min 05 s
